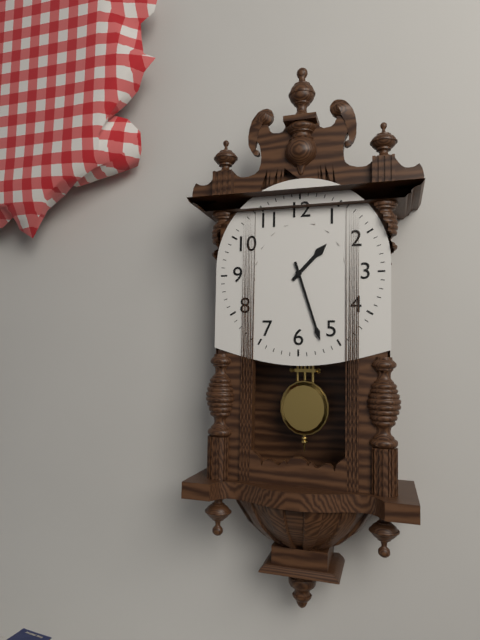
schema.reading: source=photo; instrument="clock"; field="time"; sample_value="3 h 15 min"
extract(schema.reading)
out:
1 h 27 min
